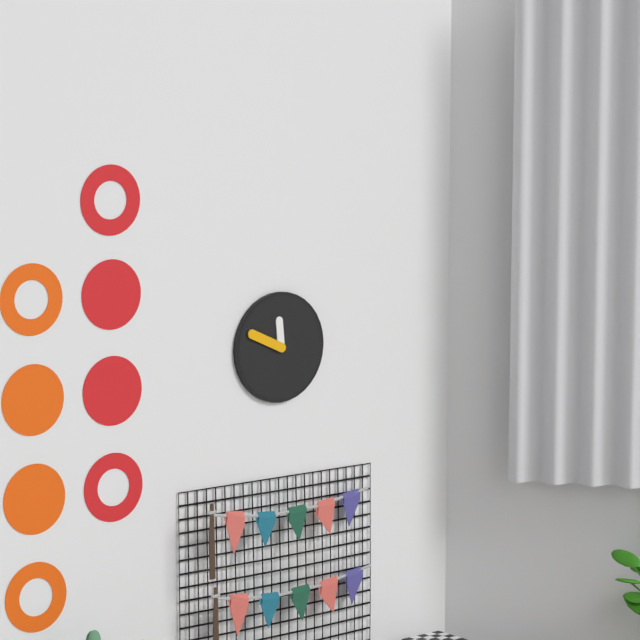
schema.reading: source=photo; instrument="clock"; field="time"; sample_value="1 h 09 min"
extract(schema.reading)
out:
11 h 49 min
